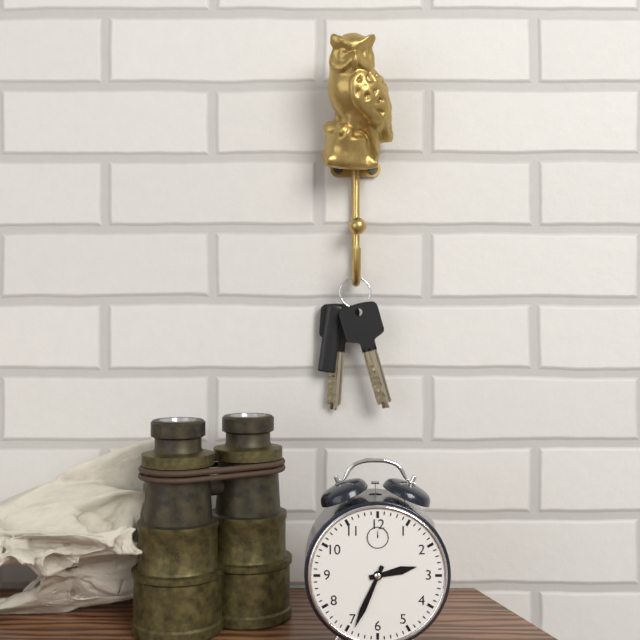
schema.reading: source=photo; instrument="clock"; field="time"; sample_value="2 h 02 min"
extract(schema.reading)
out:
2 h 34 min
